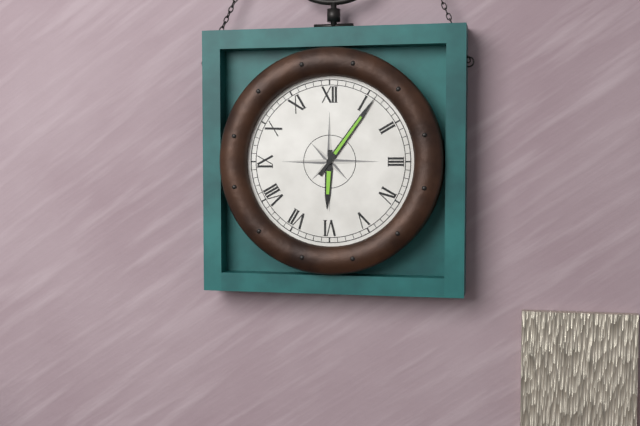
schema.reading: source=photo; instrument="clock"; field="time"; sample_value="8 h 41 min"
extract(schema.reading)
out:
6 h 06 min
